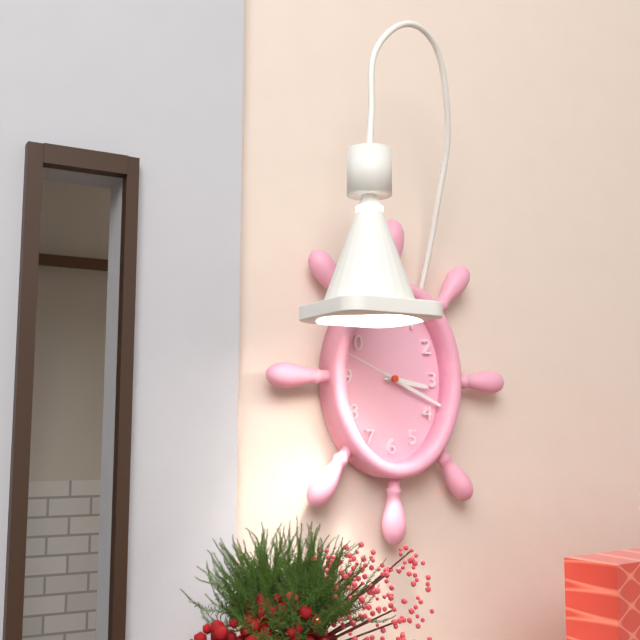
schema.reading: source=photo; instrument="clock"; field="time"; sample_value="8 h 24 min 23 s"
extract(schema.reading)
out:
3 h 19 min 49 s
